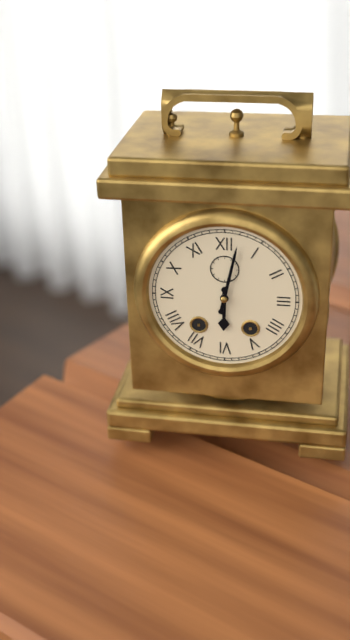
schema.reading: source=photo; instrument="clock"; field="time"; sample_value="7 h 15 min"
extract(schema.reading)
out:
6 h 02 min
